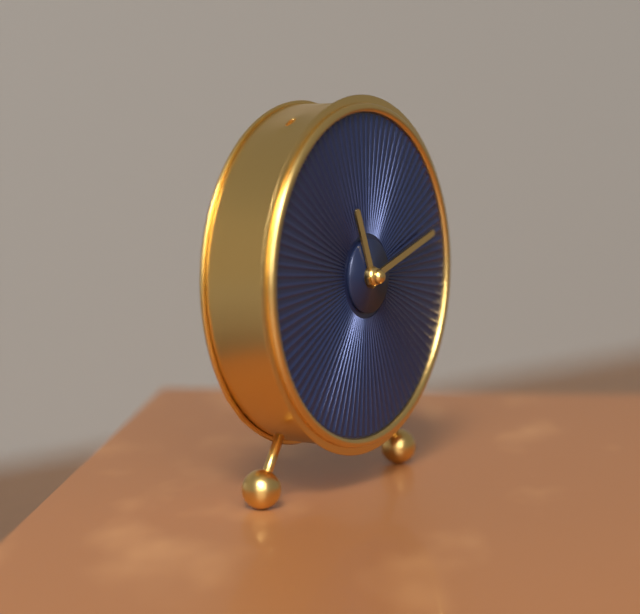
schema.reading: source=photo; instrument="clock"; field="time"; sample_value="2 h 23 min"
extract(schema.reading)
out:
11 h 12 min
